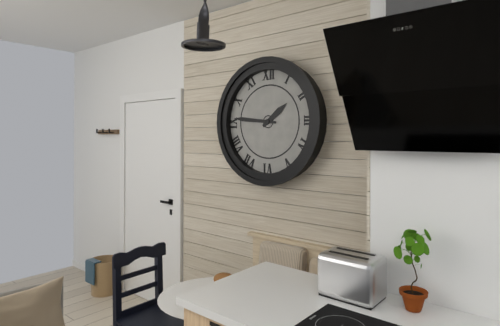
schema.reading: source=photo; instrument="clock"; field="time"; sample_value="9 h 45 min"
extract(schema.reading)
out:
1 h 46 min
